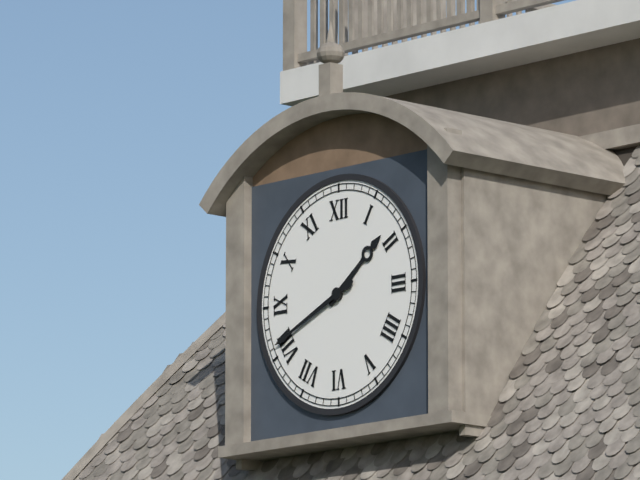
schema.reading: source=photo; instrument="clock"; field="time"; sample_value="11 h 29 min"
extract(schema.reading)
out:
1 h 41 min
